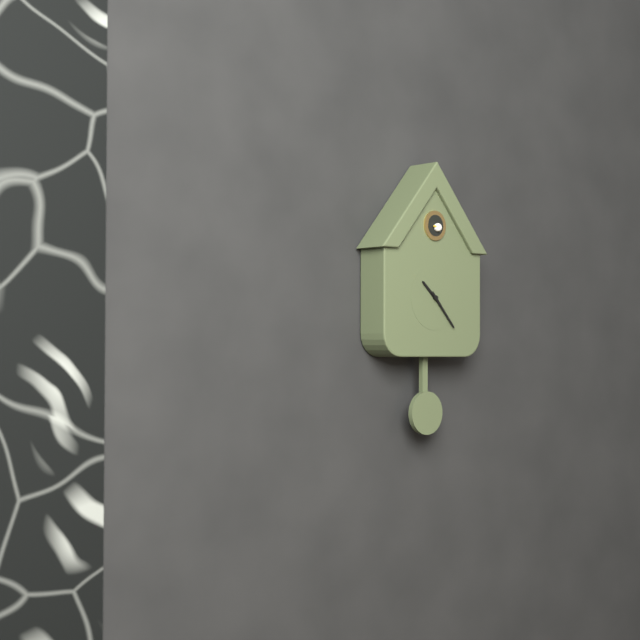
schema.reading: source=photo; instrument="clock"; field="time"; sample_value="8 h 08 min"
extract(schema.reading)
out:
10 h 23 min
